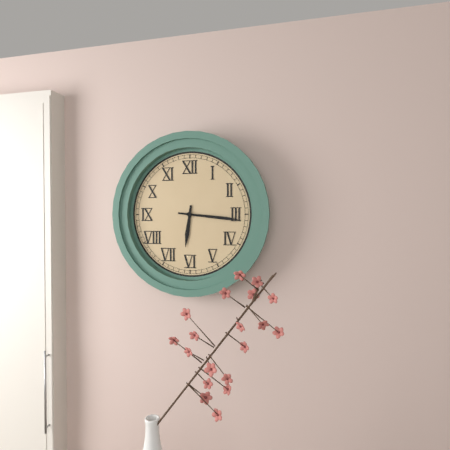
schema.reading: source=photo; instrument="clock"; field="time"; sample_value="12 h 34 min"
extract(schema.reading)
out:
6 h 16 min
